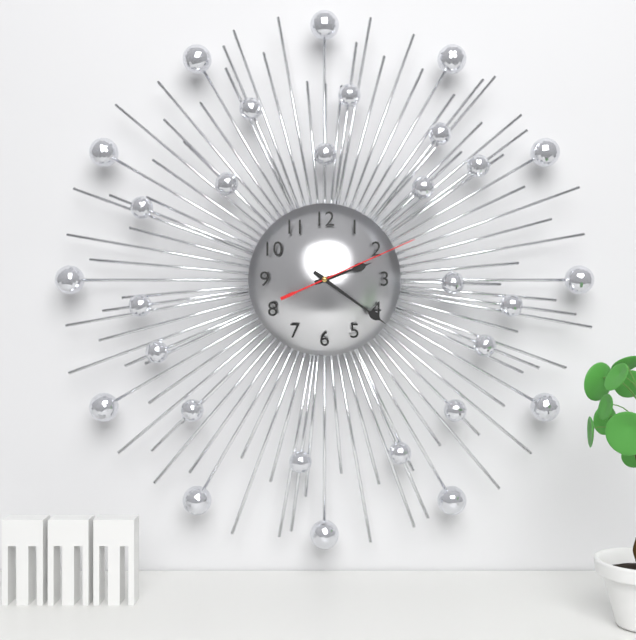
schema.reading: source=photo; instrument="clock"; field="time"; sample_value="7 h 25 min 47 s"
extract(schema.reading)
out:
2 h 21 min 11 s
